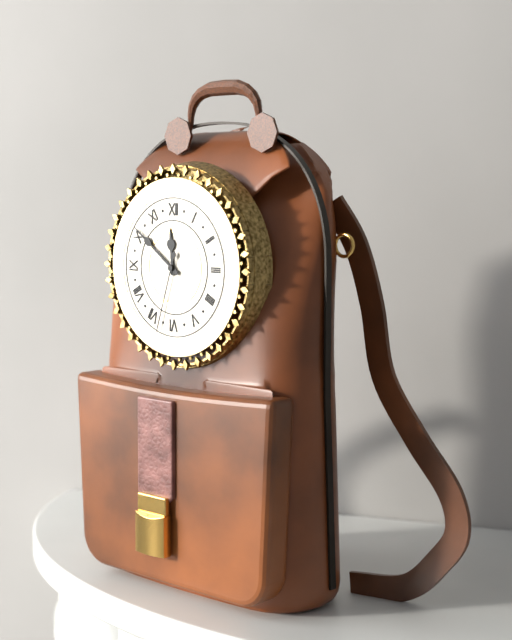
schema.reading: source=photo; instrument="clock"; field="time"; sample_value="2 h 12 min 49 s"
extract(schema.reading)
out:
11 h 51 min 33 s
